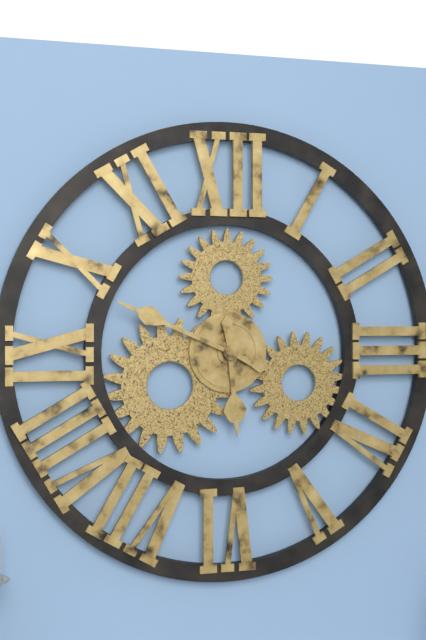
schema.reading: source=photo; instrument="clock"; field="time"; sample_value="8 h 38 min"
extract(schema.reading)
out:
5 h 49 min
